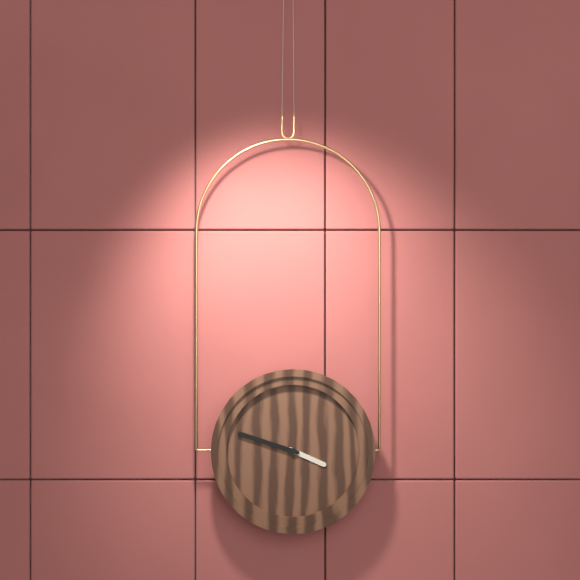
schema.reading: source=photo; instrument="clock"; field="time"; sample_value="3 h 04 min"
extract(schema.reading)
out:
3 h 48 min
